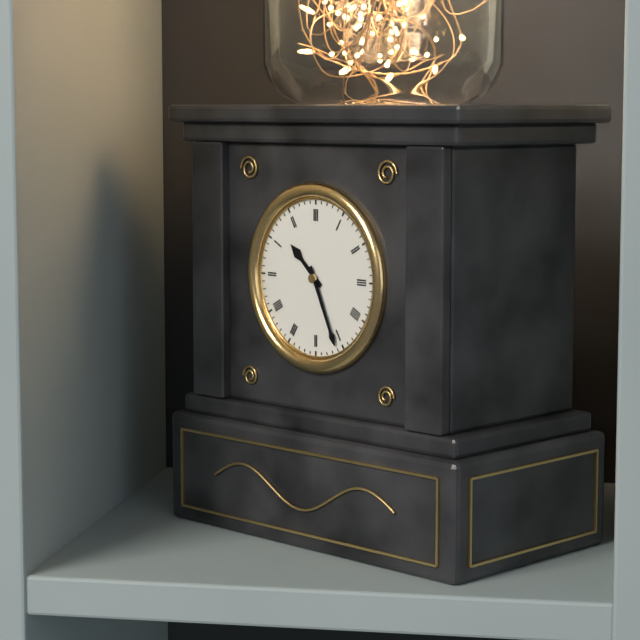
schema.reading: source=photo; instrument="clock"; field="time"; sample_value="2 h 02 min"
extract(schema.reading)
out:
10 h 26 min
